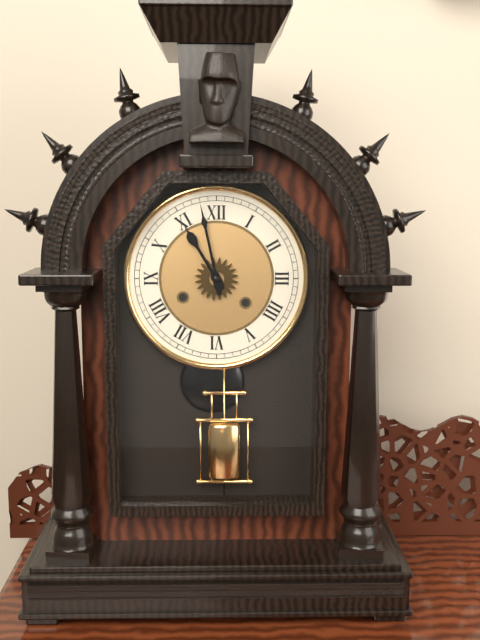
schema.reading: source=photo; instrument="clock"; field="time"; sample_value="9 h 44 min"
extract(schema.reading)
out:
10 h 58 min
